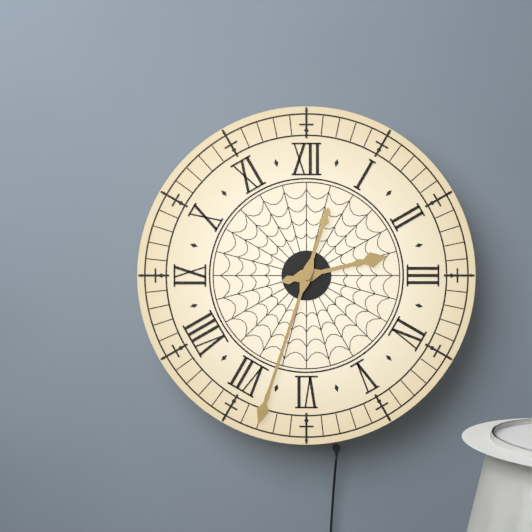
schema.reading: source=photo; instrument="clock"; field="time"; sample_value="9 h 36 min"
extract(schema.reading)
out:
2 h 33 min
